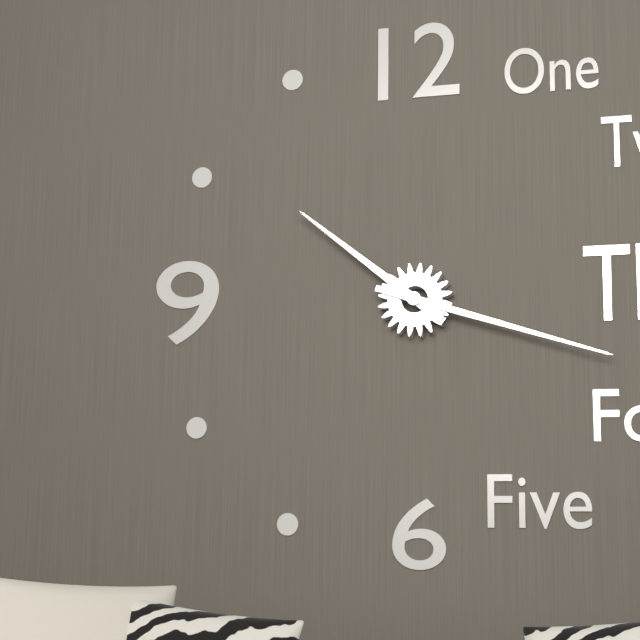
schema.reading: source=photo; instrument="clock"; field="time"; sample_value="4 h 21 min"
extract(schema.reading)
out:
10 h 18 min
